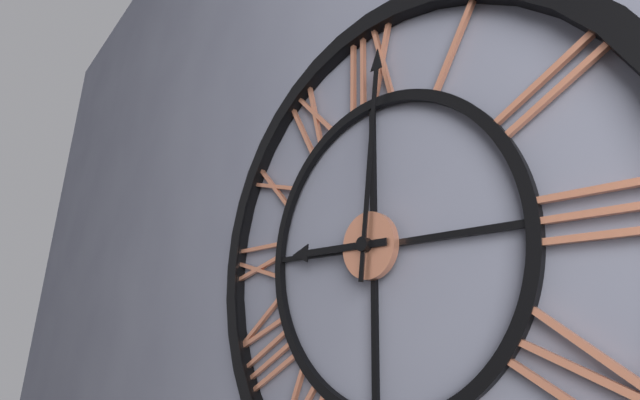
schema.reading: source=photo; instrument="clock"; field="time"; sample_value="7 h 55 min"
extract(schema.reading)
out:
9 h 01 min
